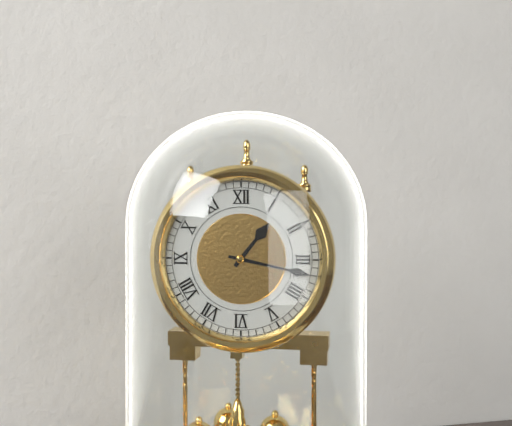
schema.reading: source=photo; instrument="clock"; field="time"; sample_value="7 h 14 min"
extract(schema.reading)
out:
1 h 17 min
